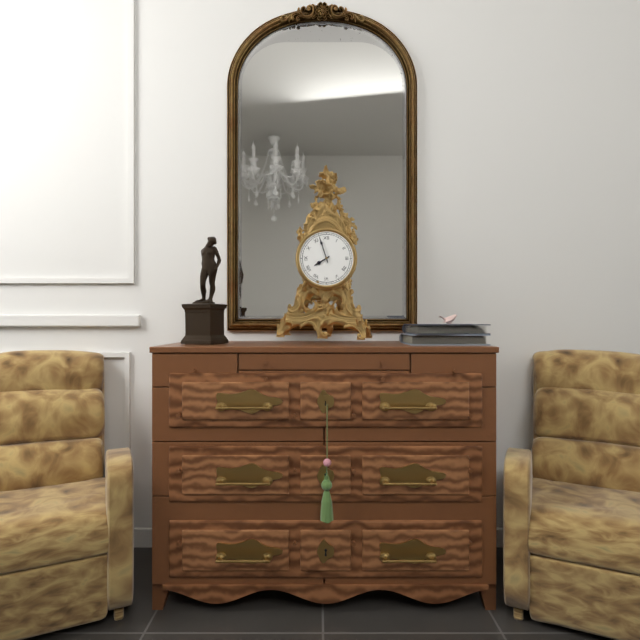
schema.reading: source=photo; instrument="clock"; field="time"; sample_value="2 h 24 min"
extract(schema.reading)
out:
7 h 57 min
